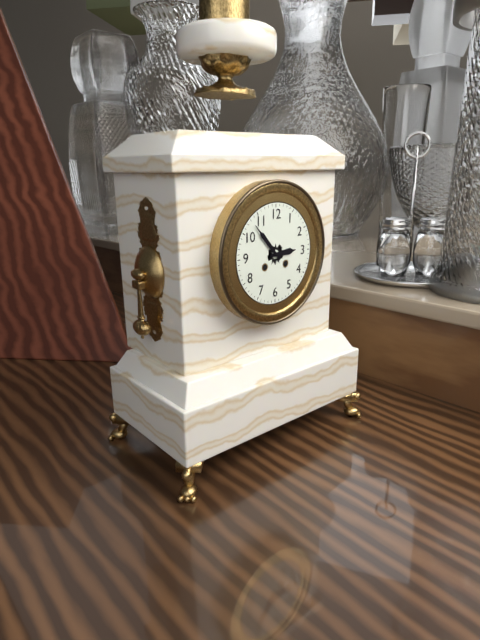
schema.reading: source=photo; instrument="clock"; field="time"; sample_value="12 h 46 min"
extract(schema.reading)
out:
2 h 53 min
